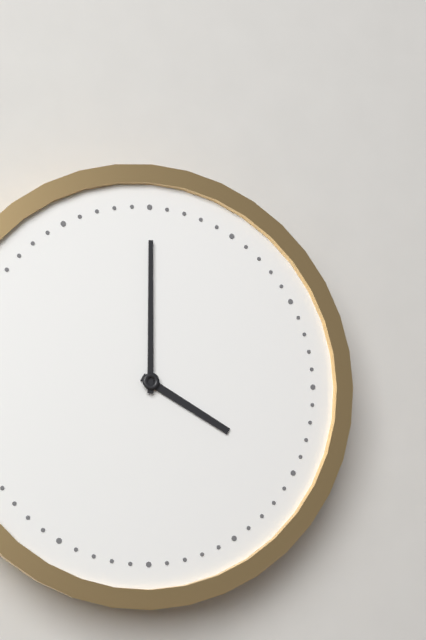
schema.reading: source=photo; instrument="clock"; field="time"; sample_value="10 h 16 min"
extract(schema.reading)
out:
4 h 00 min
